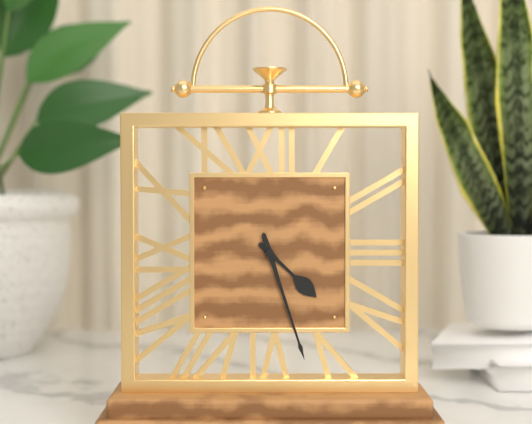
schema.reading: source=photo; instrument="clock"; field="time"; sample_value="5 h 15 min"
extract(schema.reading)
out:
4 h 27 min
